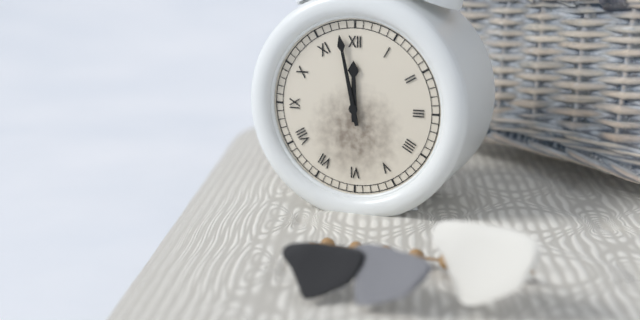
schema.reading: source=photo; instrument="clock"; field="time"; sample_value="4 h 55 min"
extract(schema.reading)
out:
11 h 58 min
